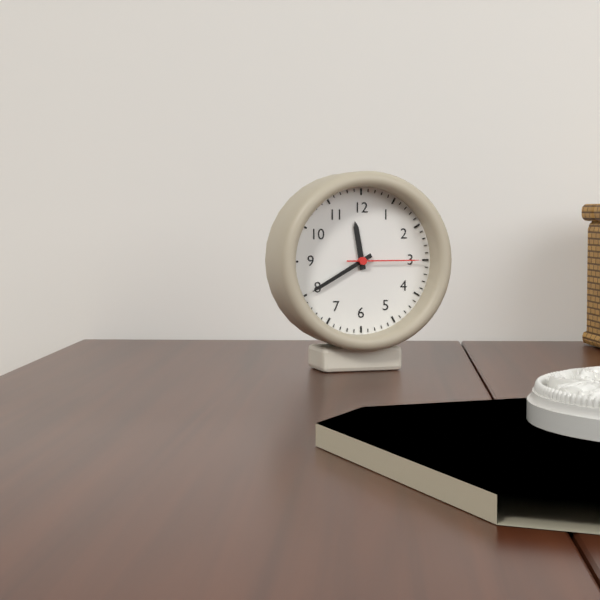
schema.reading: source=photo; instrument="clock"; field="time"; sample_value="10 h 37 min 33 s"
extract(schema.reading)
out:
11 h 40 min 15 s
